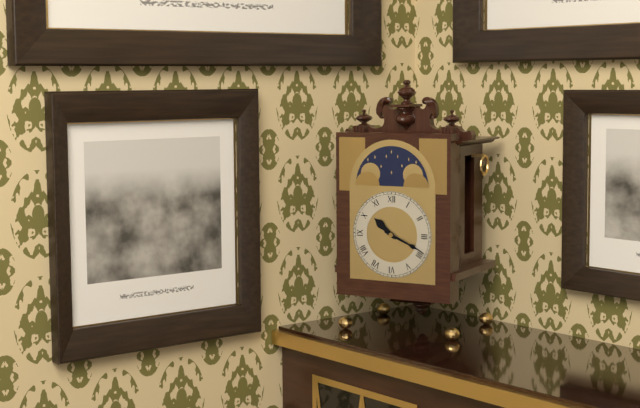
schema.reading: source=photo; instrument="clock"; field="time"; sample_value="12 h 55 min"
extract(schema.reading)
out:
10 h 19 min
